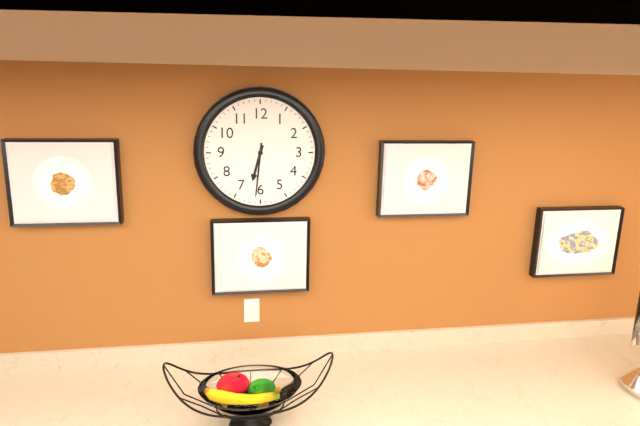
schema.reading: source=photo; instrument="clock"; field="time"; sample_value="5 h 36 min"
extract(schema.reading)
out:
6 h 31 min
